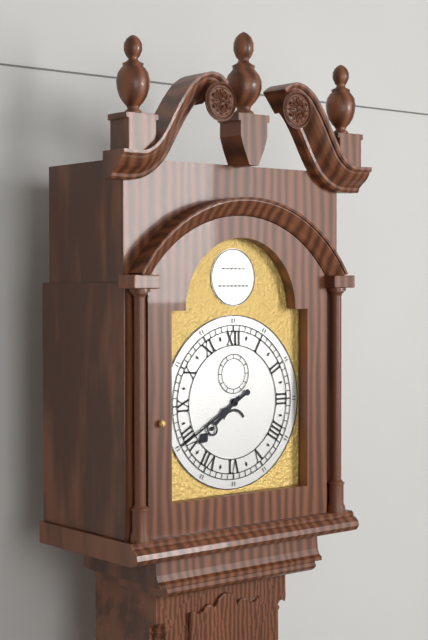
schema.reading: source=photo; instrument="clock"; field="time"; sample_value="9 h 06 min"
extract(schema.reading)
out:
7 h 40 min
